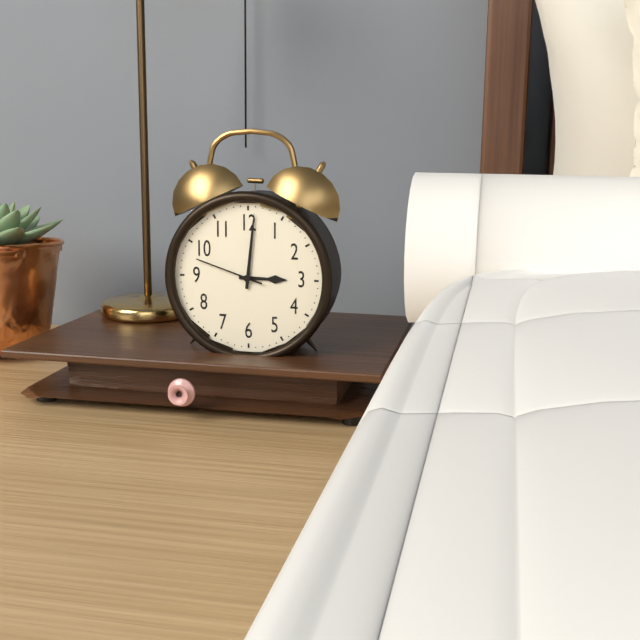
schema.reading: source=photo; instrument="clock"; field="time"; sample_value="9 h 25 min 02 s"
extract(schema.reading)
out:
3 h 01 min 48 s
